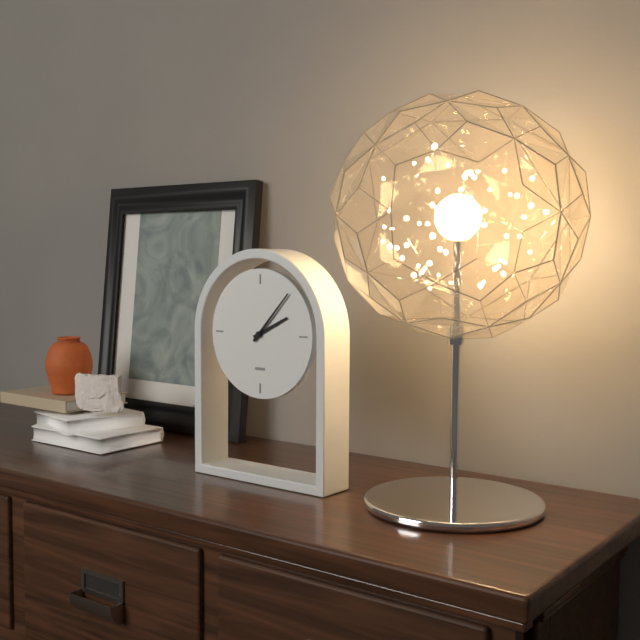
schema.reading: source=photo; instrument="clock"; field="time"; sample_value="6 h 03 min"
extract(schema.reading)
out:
2 h 07 min
